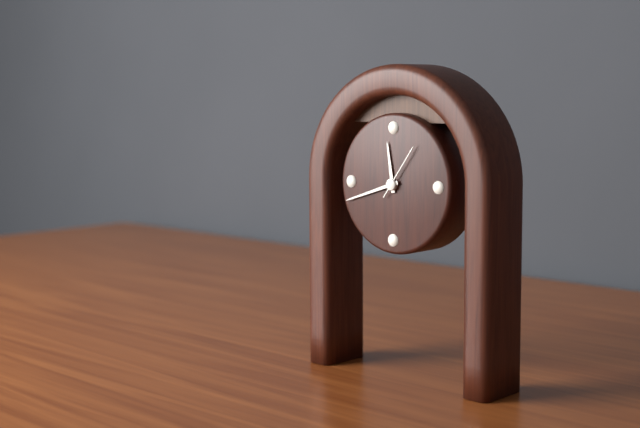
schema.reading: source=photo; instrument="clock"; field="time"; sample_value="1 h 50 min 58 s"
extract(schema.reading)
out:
11 h 42 min 06 s
